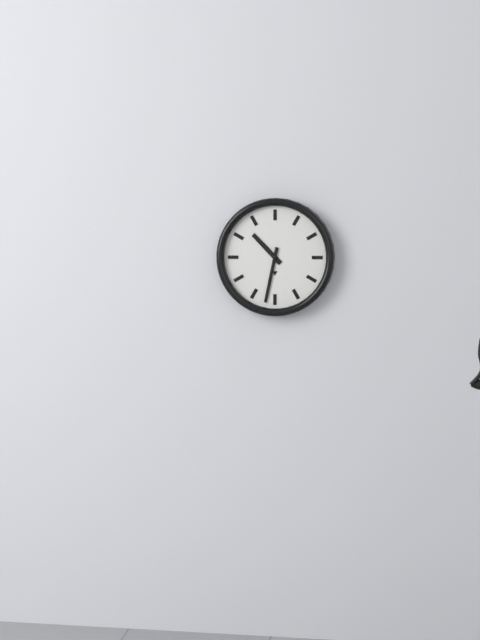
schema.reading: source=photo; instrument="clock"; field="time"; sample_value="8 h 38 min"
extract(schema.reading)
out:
10 h 32 min
